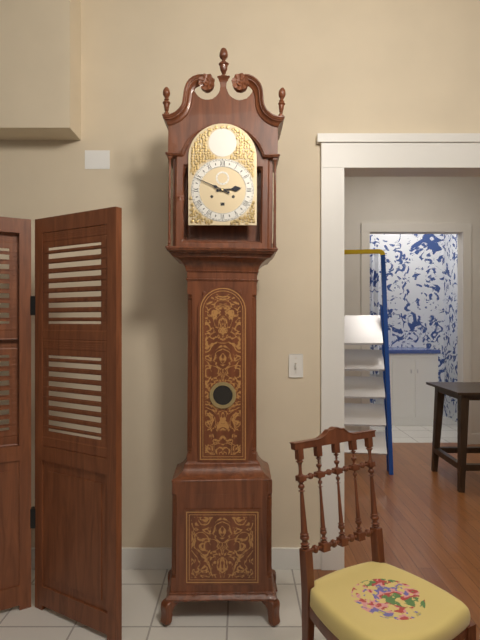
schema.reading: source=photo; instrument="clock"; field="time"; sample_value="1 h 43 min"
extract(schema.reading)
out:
2 h 49 min
